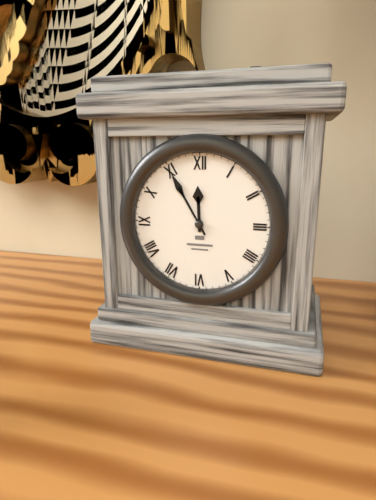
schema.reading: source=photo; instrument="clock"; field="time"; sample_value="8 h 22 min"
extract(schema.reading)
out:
11 h 55 min
